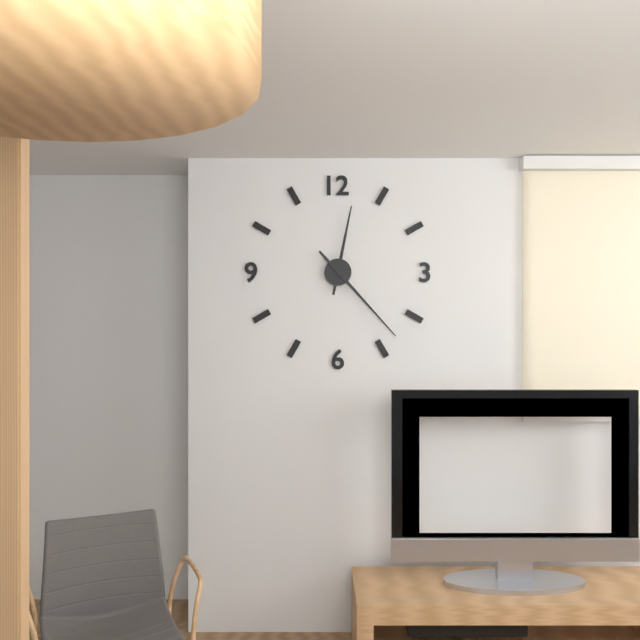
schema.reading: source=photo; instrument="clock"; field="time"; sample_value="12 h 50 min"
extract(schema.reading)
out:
12 h 23 min
